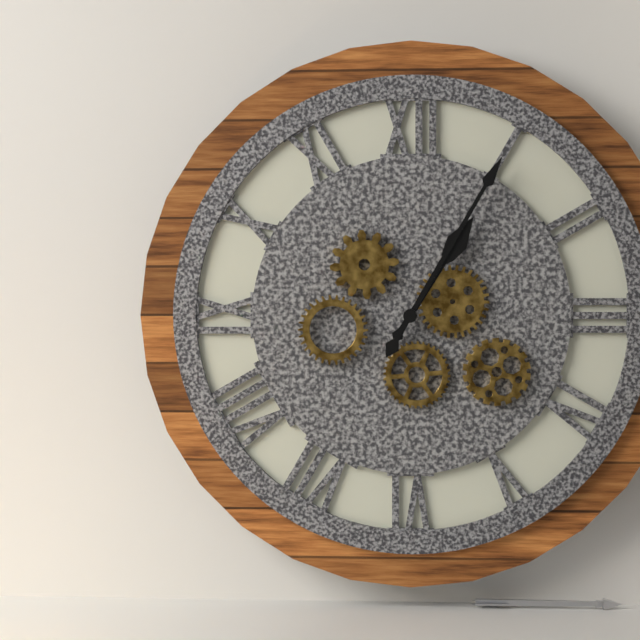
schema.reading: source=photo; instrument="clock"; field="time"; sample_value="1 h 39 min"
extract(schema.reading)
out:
1 h 05 min
